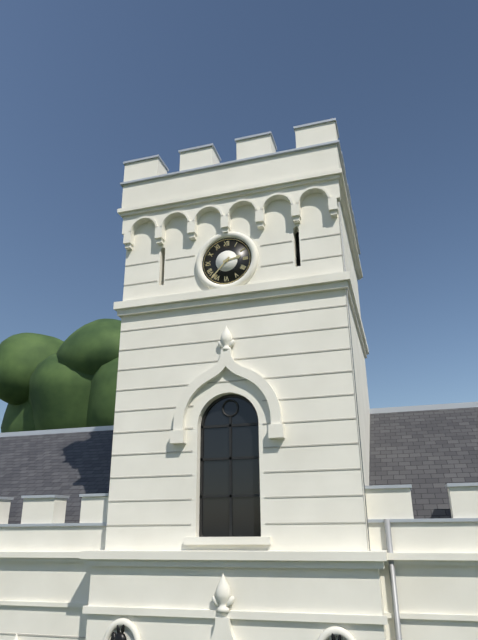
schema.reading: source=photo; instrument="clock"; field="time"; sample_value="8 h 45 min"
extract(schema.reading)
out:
2 h 37 min
